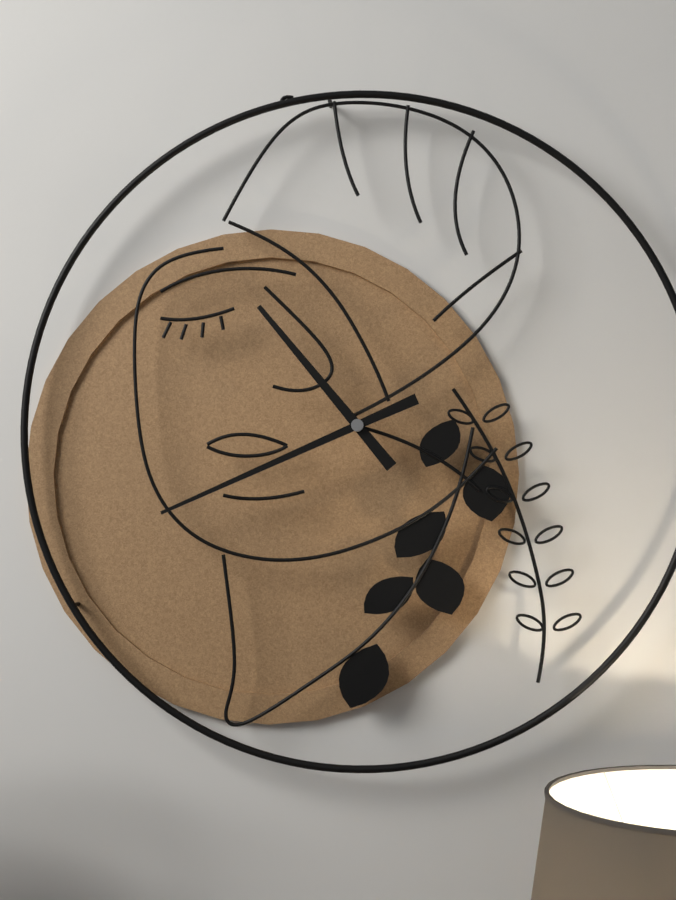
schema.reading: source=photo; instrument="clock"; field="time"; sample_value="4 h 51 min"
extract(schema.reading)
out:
10 h 41 min
